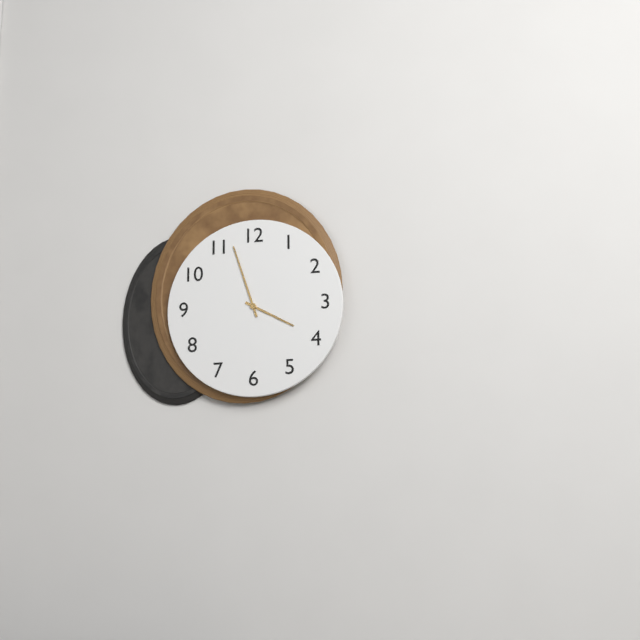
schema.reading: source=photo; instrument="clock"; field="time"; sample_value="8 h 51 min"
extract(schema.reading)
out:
3 h 57 min
